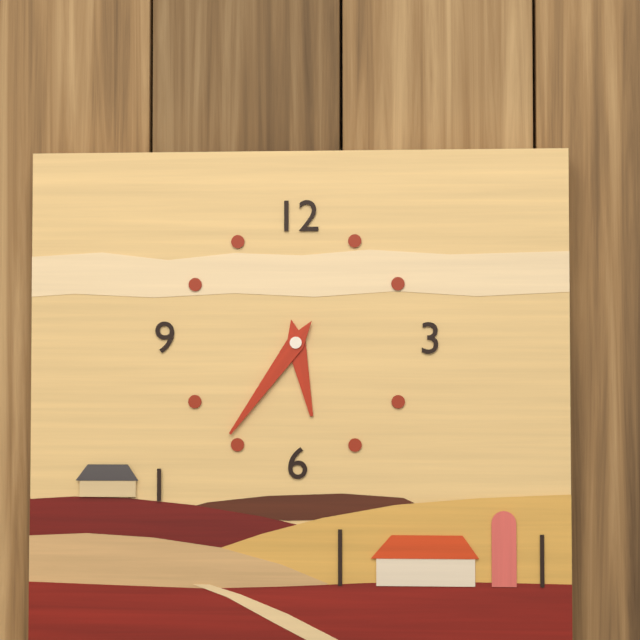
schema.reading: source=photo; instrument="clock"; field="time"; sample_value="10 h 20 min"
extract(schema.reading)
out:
5 h 36 min
